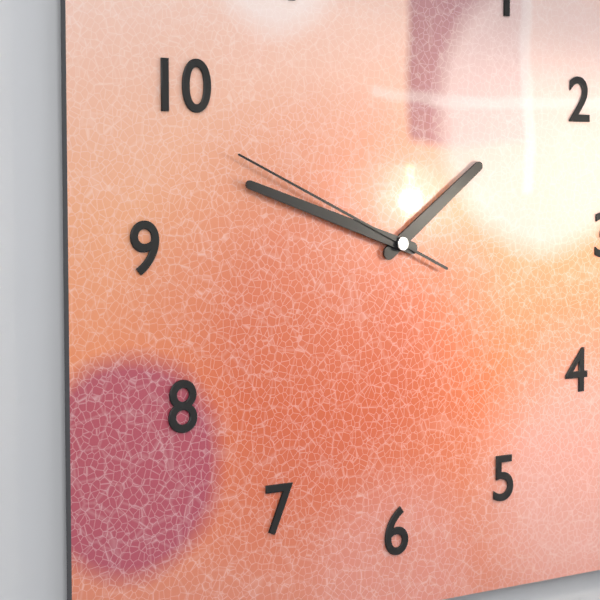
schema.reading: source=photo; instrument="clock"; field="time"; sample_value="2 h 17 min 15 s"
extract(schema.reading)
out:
1 h 48 min 49 s
